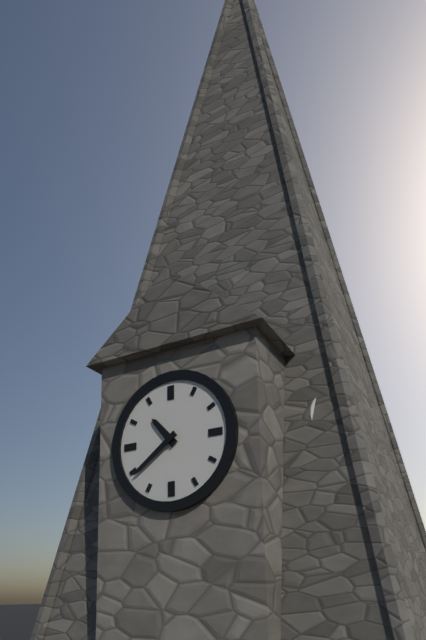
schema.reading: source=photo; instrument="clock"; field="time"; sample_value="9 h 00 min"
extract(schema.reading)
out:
10 h 39 min
